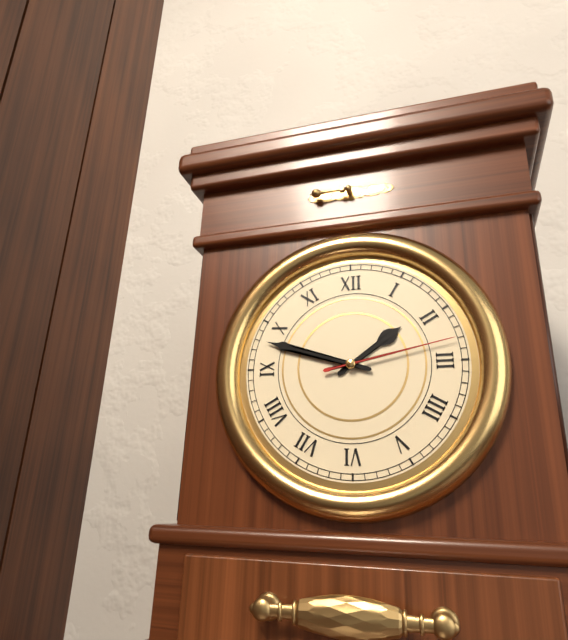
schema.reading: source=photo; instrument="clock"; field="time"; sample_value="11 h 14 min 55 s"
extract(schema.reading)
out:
1 h 48 min 13 s
